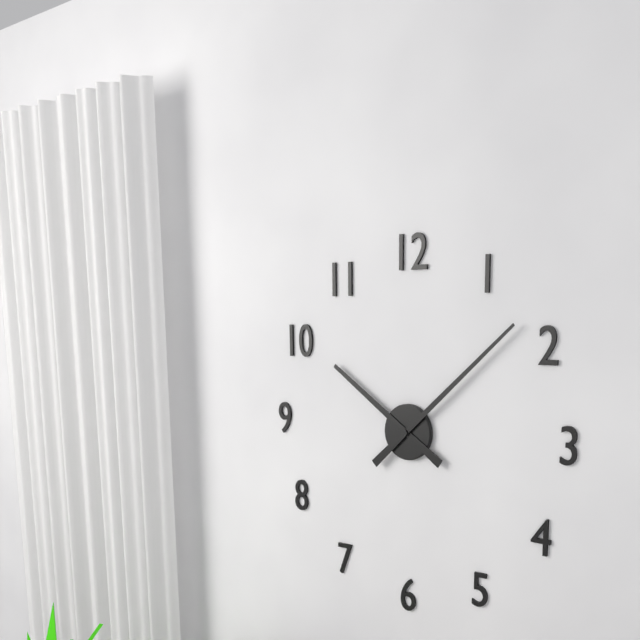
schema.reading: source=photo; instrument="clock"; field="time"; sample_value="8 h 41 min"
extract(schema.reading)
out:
10 h 08 min
